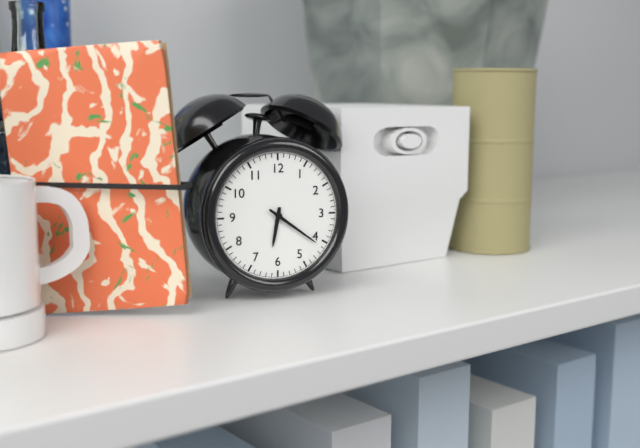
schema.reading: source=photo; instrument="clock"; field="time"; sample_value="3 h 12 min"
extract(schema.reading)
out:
6 h 21 min
